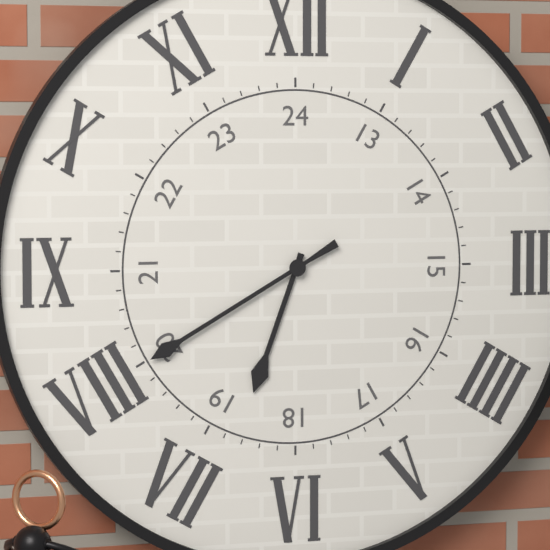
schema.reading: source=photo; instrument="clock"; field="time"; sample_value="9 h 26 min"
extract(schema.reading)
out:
6 h 40 min
